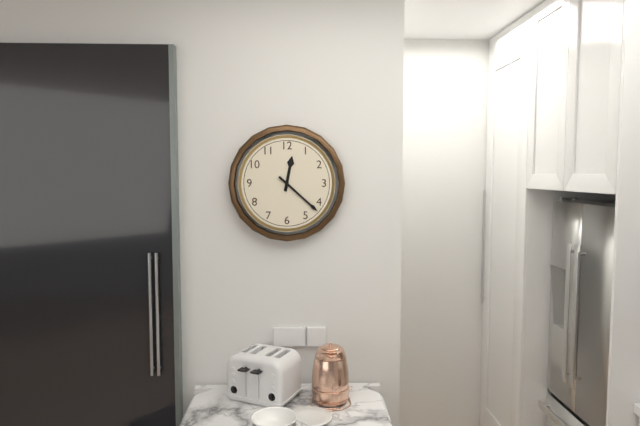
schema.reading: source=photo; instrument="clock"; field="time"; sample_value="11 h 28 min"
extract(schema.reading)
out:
12 h 22 min
